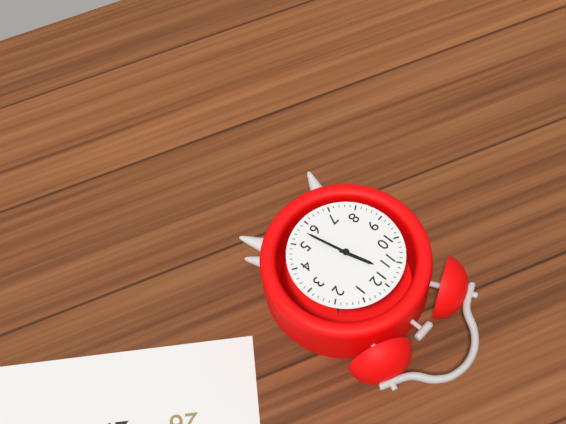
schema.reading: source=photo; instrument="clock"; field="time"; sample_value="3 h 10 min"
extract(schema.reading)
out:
11 h 28 min
